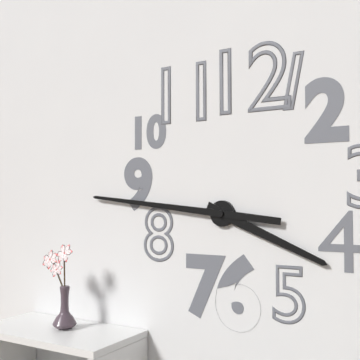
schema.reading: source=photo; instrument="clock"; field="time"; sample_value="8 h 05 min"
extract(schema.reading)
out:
3 h 46 min
